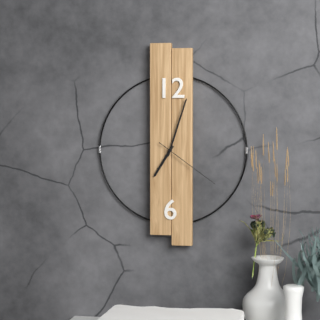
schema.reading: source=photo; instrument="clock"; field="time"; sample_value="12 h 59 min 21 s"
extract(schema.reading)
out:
7 h 03 min 21 s
